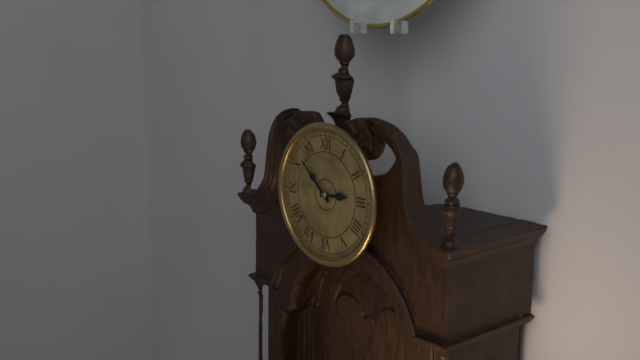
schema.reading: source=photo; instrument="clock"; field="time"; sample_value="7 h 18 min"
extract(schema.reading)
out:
2 h 52 min
